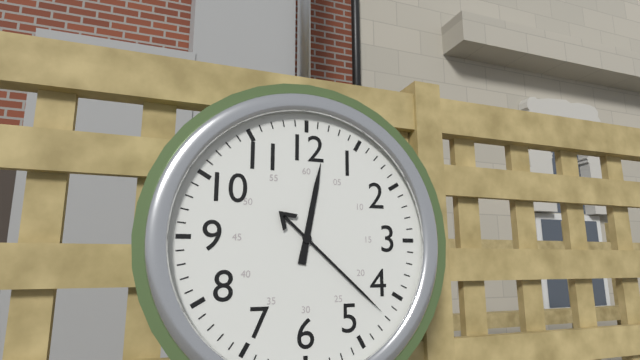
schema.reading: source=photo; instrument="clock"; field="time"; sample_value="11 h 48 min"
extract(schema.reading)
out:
12 h 22 min
